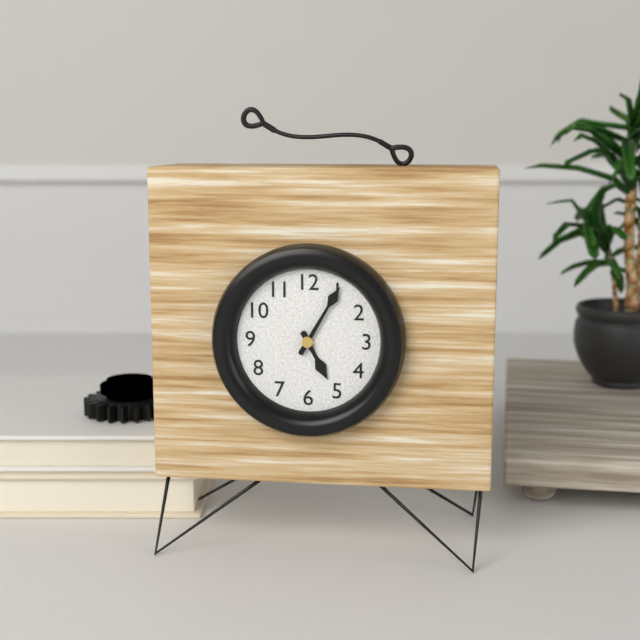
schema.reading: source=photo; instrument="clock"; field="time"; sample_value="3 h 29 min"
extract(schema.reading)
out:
5 h 05 min
